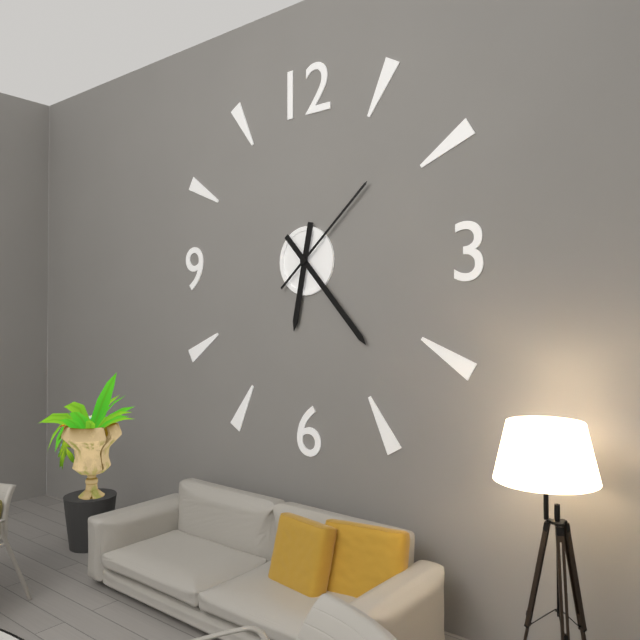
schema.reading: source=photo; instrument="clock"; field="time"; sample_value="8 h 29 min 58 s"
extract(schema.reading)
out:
6 h 23 min 08 s
